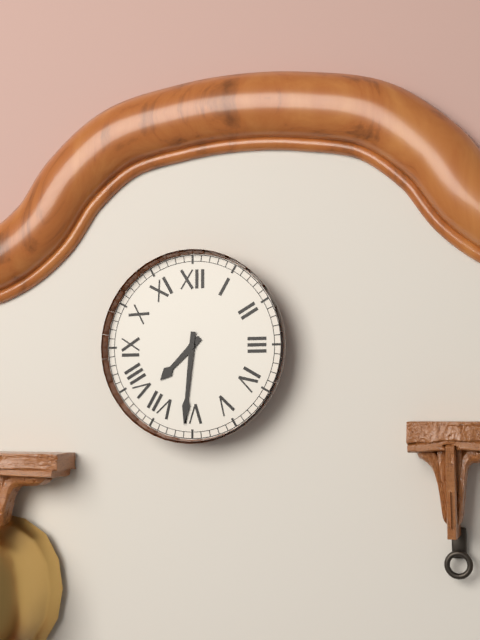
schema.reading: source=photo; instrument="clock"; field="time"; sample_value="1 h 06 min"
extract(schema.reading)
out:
7 h 31 min
